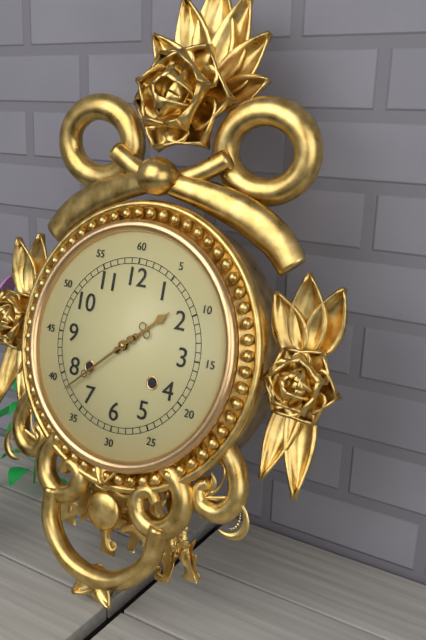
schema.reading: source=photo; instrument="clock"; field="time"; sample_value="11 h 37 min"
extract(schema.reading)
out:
1 h 38 min
